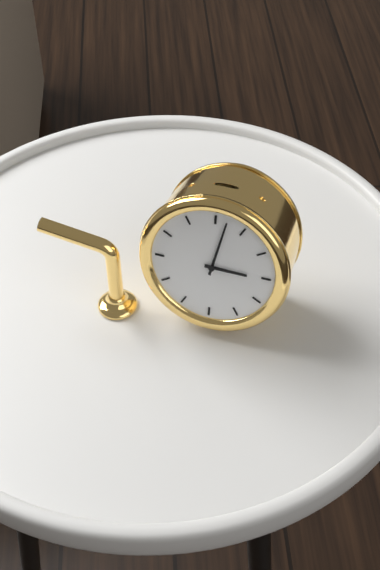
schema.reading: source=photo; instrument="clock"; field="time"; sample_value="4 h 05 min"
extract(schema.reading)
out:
3 h 02 min
